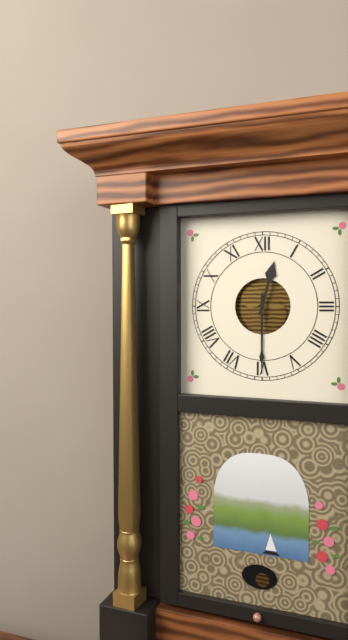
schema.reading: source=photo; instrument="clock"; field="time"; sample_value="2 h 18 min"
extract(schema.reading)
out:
12 h 30 min
